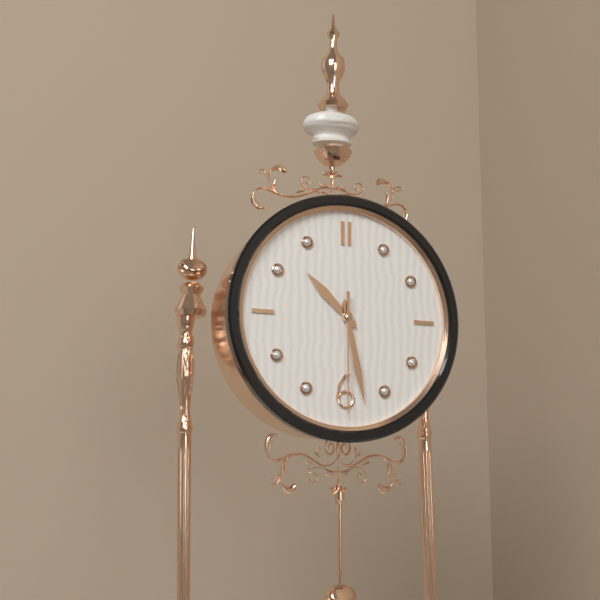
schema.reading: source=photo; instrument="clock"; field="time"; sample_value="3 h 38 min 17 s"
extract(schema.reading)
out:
10 h 28 min 30 s
